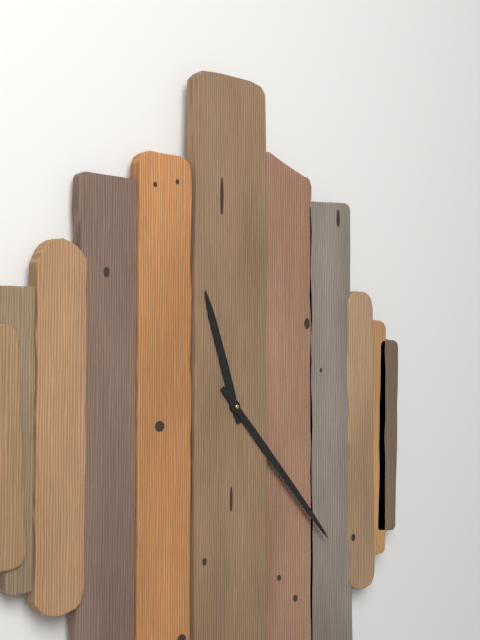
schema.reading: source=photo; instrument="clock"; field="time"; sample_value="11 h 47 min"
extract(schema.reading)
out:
11 h 23 min
